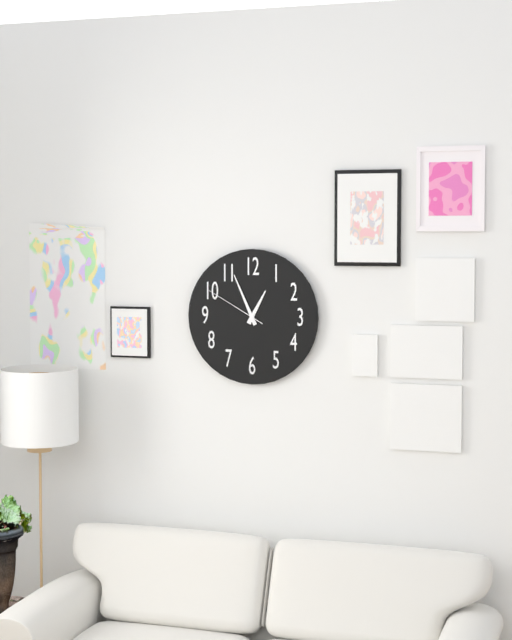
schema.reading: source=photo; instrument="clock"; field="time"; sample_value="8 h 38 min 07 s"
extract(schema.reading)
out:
12 h 56 min 50 s
